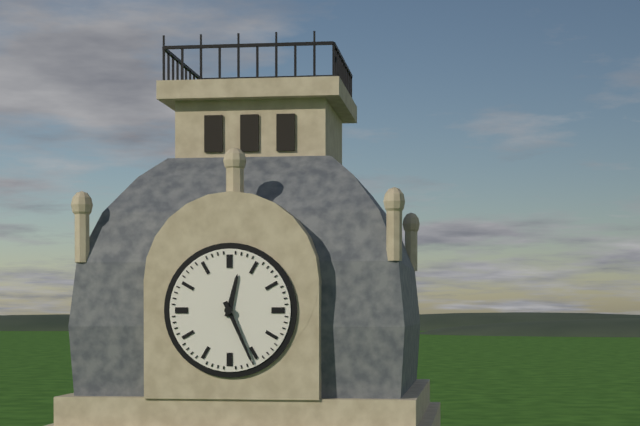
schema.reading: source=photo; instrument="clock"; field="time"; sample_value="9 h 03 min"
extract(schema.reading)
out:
12 h 26 min
